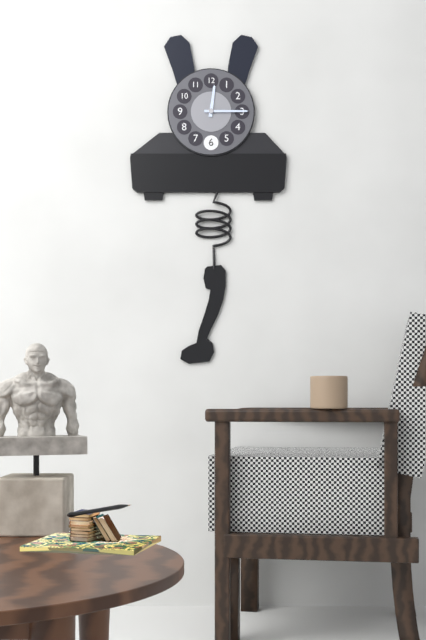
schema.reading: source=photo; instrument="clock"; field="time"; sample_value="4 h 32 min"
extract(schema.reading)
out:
12 h 15 min
